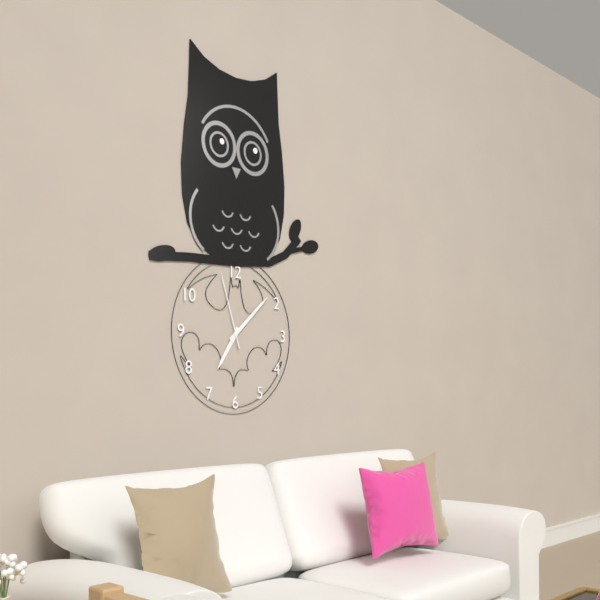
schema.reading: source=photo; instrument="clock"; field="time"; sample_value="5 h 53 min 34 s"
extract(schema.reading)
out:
7 h 08 min 57 s
